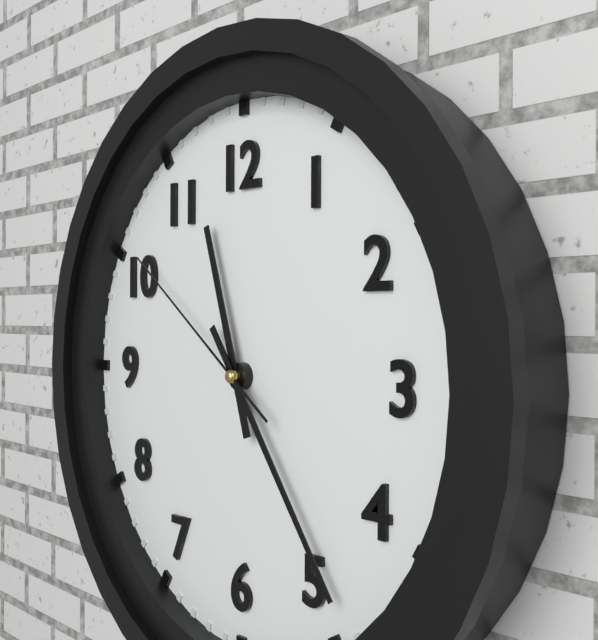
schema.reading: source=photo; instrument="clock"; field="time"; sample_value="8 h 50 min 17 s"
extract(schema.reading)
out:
11 h 24 min 51 s
